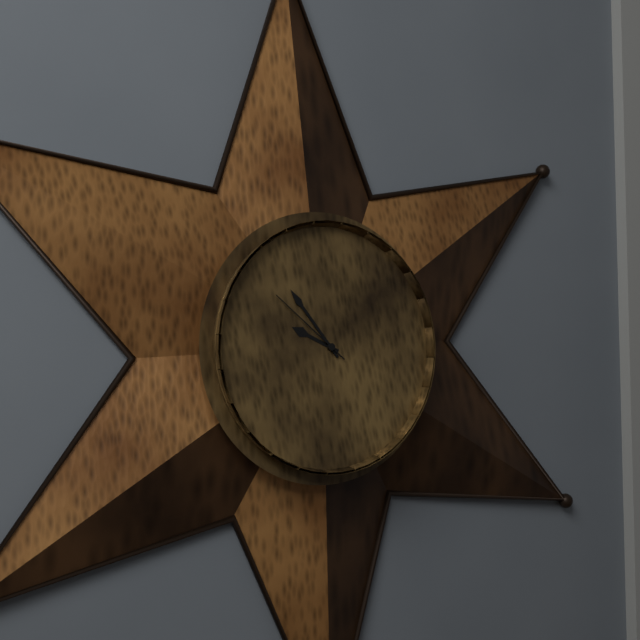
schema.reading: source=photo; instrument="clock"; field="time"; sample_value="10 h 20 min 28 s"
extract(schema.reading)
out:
9 h 54 min 52 s
